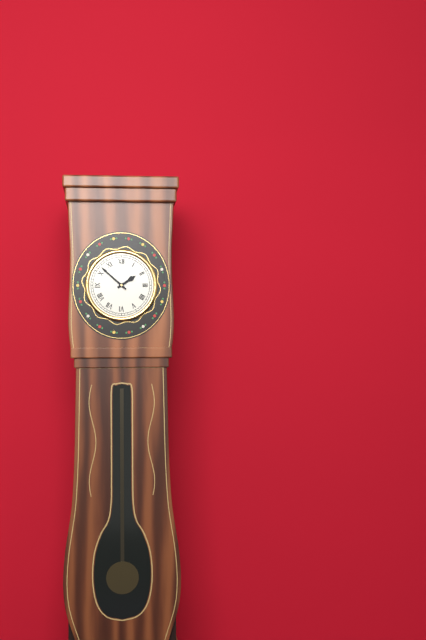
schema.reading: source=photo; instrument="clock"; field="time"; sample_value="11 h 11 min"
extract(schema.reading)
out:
1 h 52 min
